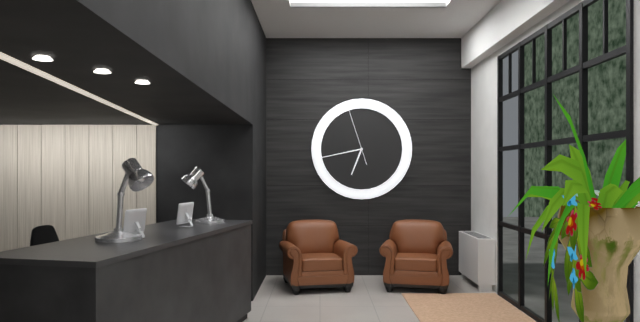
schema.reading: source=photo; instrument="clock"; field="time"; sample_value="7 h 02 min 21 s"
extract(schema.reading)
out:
6 h 43 min 57 s
